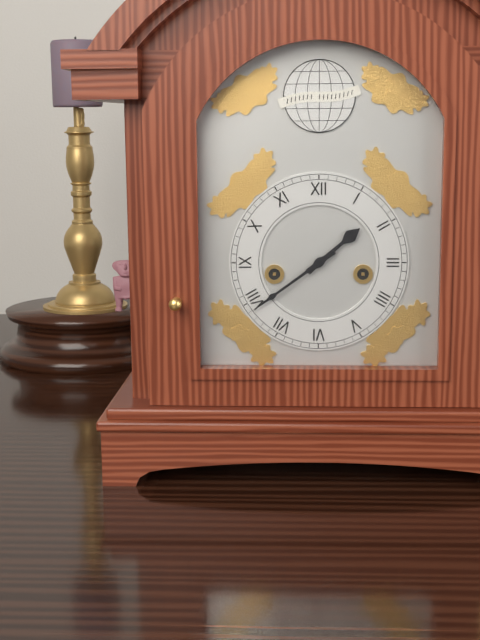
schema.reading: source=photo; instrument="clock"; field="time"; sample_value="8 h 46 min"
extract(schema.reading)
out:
1 h 39 min
